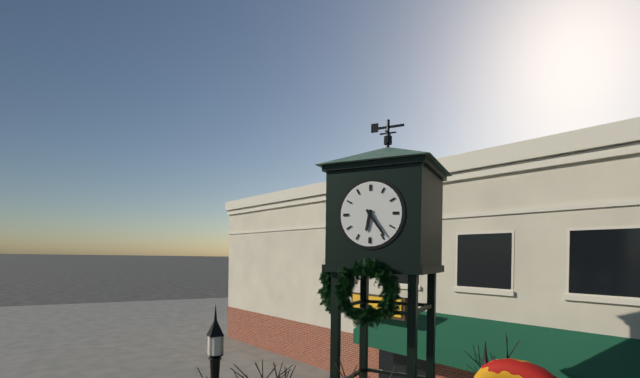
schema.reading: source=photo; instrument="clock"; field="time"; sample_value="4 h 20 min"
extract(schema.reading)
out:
6 h 24 min
